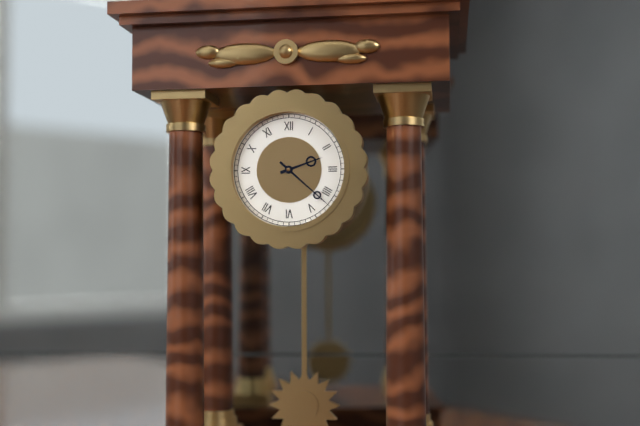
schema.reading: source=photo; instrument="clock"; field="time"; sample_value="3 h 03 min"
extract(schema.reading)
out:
2 h 22 min
